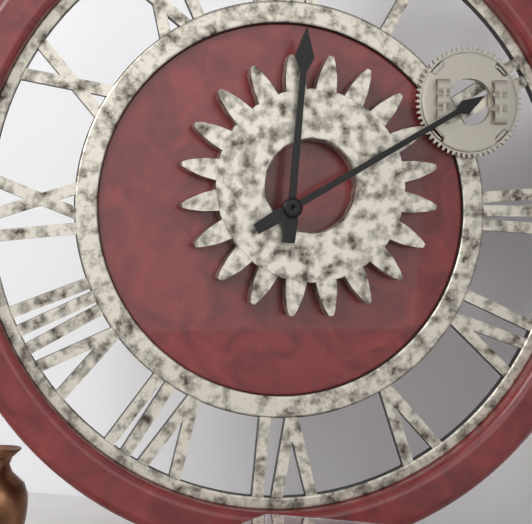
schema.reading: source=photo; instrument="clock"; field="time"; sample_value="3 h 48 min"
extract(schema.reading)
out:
12 h 10 min
